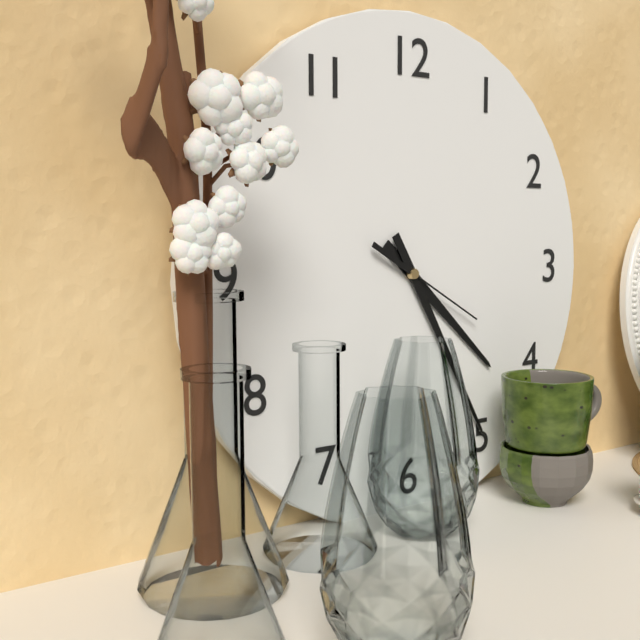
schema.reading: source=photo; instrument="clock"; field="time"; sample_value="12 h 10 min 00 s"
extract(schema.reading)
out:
4 h 25 min 20 s
